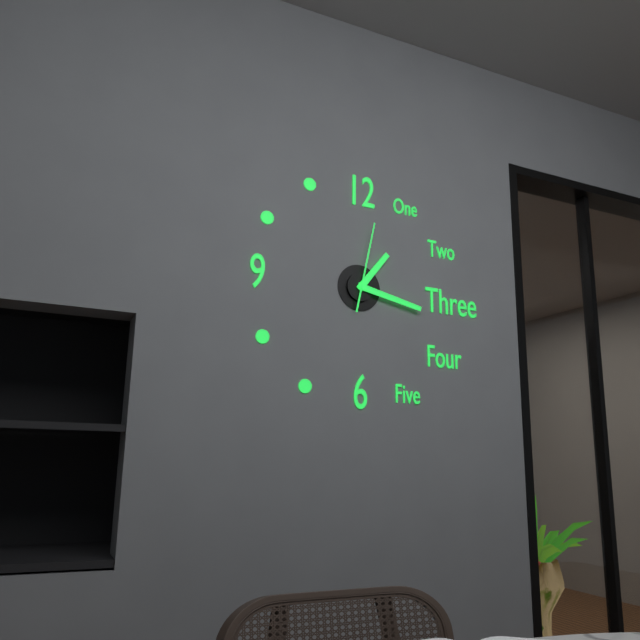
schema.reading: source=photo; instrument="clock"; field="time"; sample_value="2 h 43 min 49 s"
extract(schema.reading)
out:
1 h 17 min 02 s
